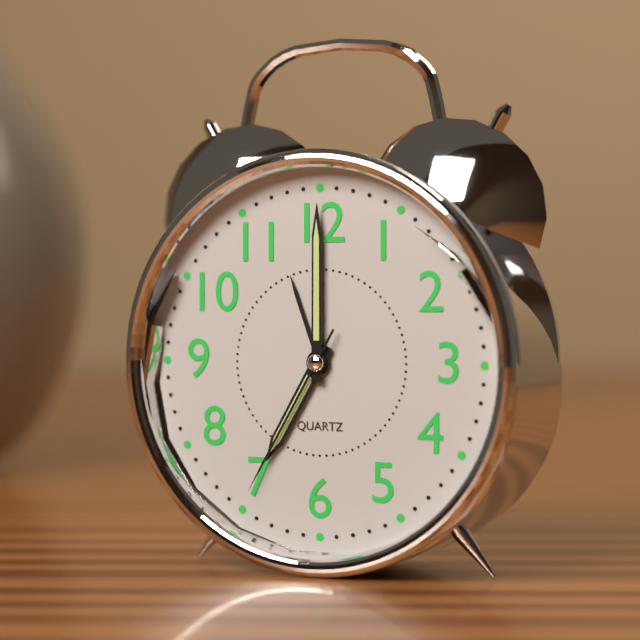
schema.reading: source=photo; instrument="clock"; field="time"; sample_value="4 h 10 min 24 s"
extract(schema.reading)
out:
7 h 00 min 35 s
